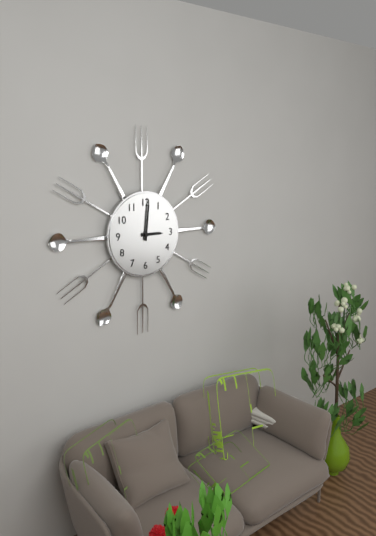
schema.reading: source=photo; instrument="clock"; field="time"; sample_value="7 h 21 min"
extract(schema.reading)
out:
3 h 01 min
